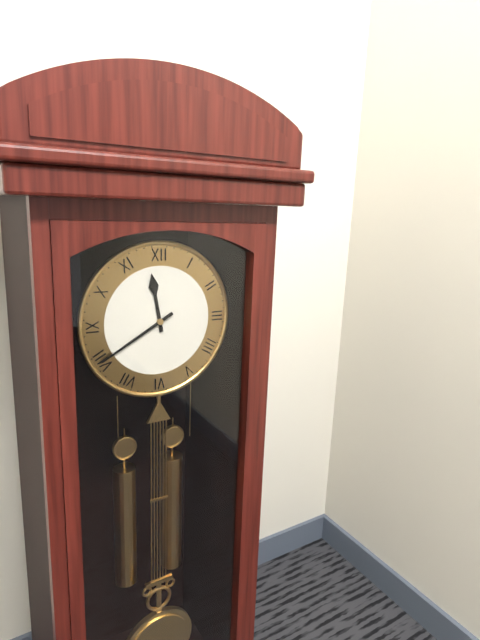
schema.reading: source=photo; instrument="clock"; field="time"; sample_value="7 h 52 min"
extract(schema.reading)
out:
11 h 40 min
